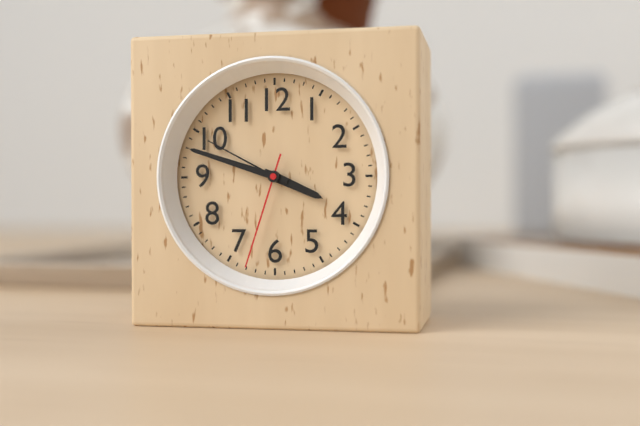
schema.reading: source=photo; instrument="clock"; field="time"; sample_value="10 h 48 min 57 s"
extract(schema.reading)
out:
3 h 48 min 33 s
